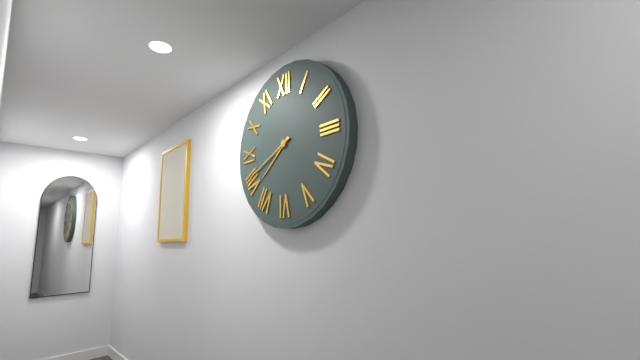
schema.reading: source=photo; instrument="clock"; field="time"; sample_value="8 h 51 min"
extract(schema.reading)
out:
7 h 41 min
